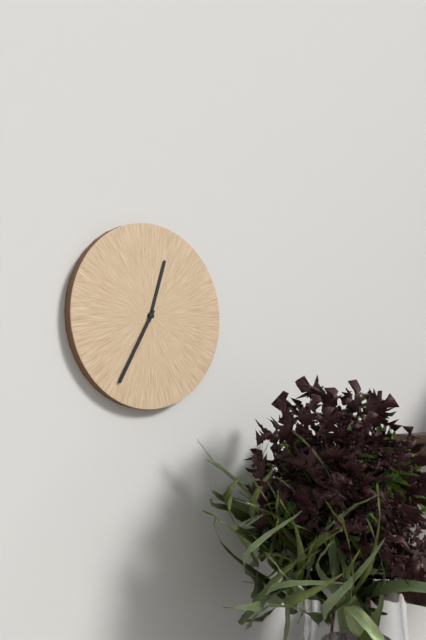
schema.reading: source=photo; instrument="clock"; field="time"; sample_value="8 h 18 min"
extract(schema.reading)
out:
12 h 35 min
